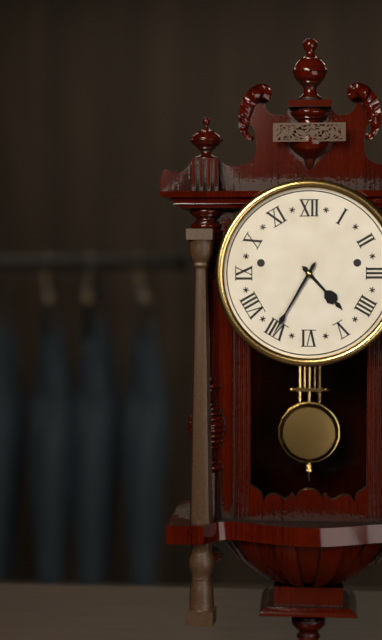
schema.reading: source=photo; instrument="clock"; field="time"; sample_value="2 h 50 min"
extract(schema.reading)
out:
4 h 35 min
